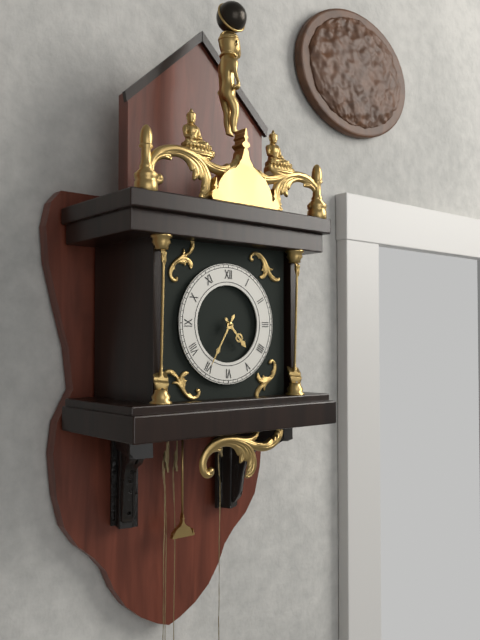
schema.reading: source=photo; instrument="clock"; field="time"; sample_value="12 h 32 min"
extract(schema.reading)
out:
4 h 35 min
